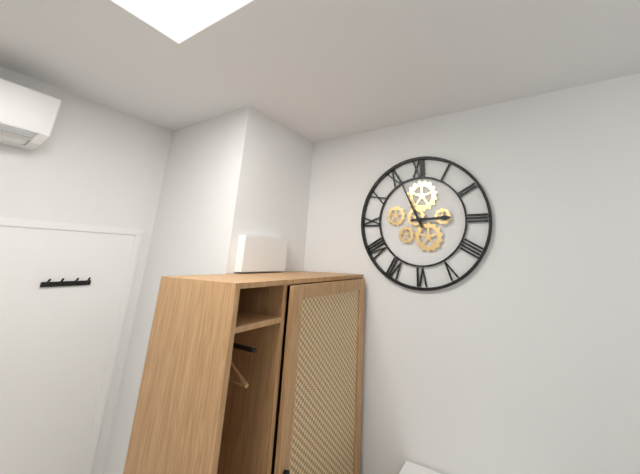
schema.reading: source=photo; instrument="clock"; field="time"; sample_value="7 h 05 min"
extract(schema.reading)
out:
2 h 56 min
